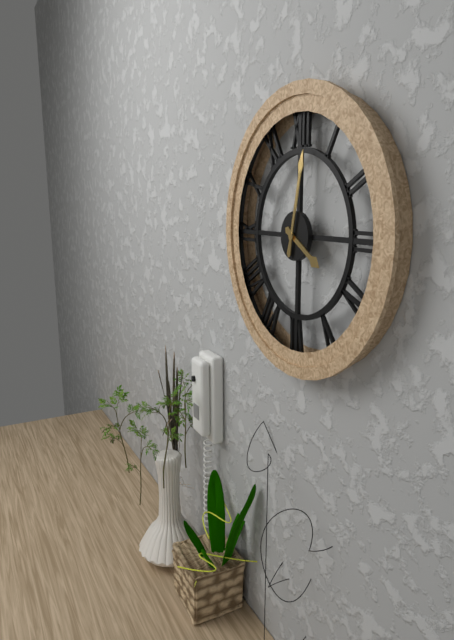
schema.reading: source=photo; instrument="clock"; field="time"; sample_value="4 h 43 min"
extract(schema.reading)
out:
4 h 02 min
